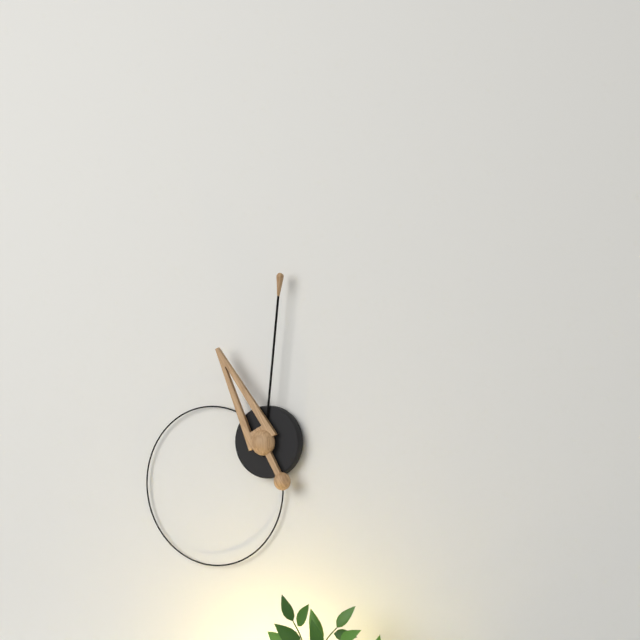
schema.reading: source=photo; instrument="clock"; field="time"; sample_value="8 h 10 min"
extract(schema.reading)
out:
11 h 01 min
